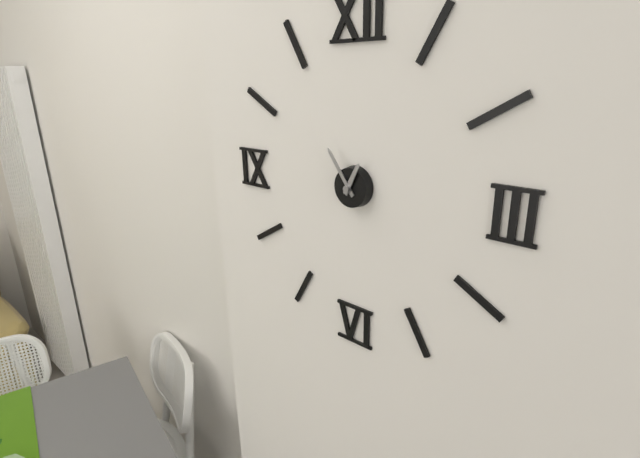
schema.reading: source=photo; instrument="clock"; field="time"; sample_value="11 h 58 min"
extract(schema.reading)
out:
12 h 54 min
